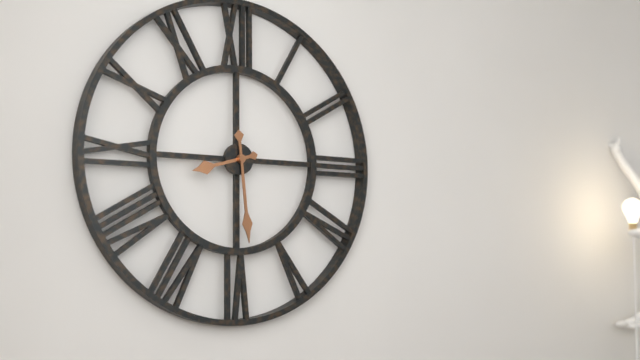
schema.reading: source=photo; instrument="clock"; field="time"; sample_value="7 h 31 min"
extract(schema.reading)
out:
8 h 29 min
